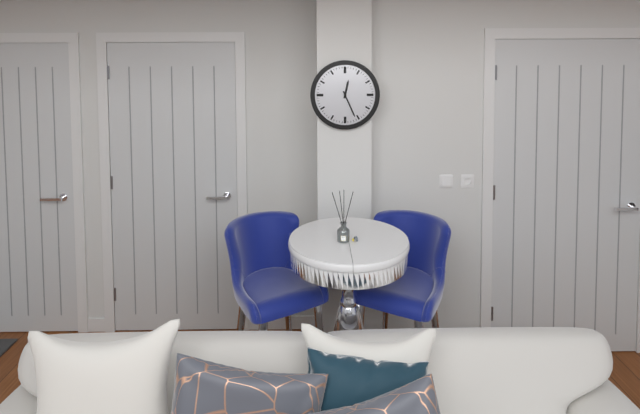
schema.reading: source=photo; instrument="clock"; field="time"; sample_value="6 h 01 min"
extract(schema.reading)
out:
12 h 26 min
